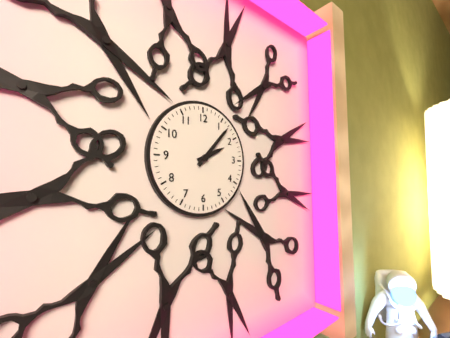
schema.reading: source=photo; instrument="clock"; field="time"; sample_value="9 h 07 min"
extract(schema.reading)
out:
2 h 07 min
